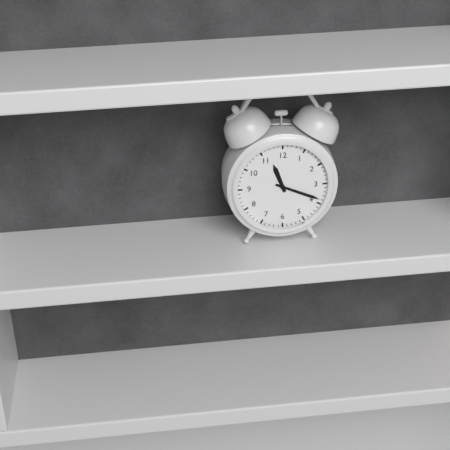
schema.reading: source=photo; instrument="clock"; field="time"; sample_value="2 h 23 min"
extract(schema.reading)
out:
11 h 19 min
